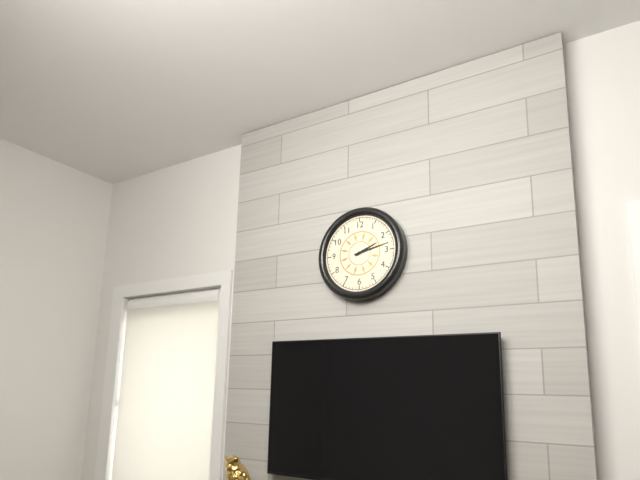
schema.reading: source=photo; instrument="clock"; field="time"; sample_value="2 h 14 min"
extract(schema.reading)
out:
2 h 13 min
